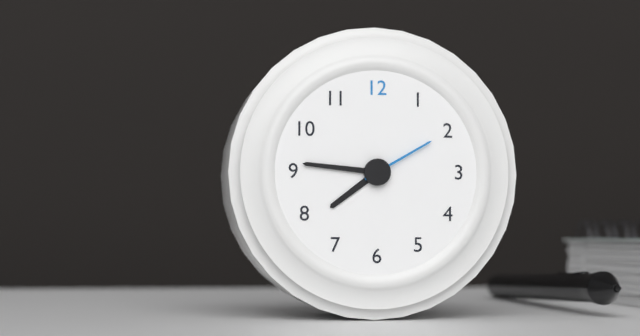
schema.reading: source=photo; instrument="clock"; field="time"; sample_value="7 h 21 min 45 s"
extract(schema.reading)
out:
7 h 46 min 10 s
